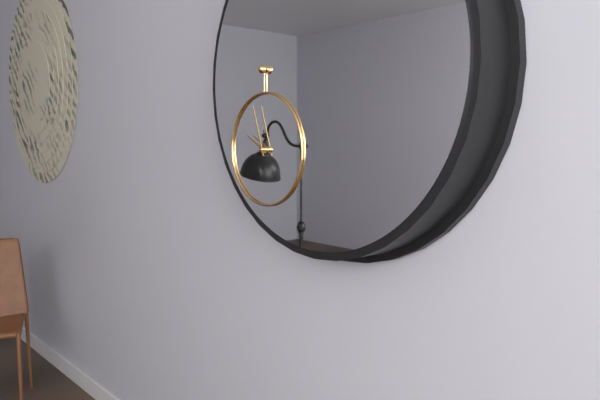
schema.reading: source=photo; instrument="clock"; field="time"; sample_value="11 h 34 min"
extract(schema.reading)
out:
9 h 57 min
